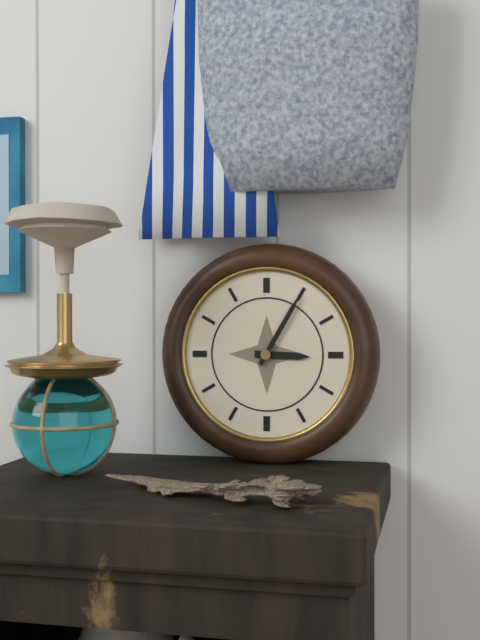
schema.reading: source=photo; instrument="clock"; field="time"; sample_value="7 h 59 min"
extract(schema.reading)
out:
3 h 05 min
